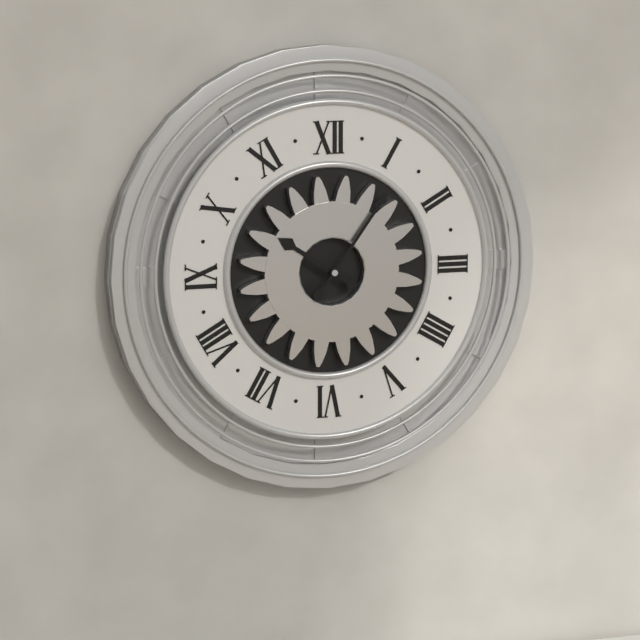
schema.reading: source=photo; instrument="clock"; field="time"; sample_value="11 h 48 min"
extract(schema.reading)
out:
10 h 06 min
